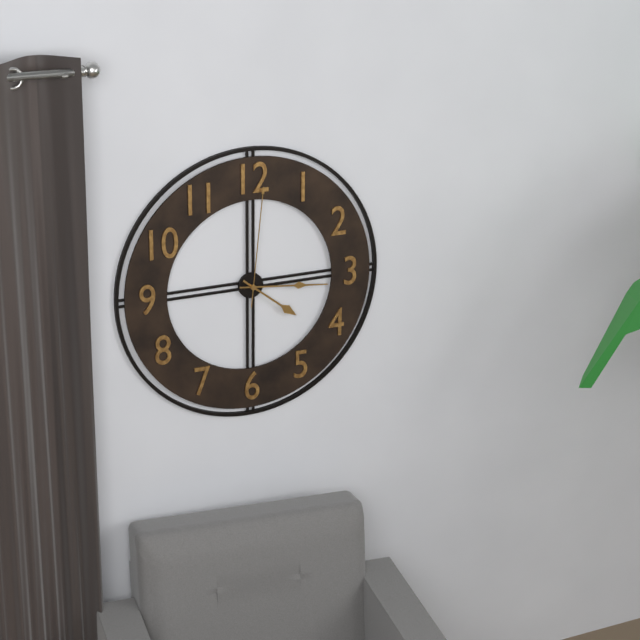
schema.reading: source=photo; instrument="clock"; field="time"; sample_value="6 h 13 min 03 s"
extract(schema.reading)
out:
4 h 16 min 01 s
